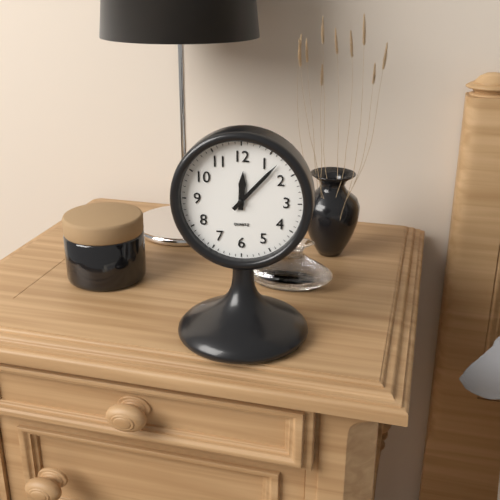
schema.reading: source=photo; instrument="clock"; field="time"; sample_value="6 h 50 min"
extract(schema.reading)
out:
12 h 07 min
